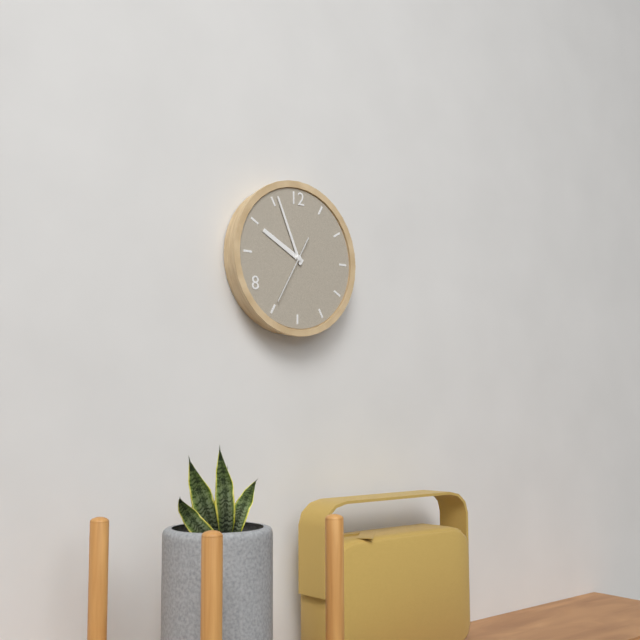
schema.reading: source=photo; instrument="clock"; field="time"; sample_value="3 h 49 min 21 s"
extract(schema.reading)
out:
9 h 56 min 35 s
